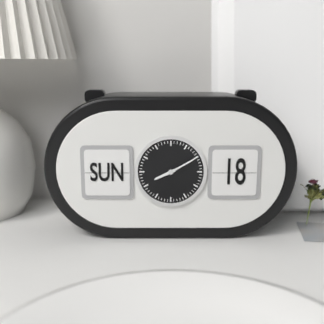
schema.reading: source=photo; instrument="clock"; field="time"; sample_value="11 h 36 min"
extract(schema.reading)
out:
8 h 10 min
